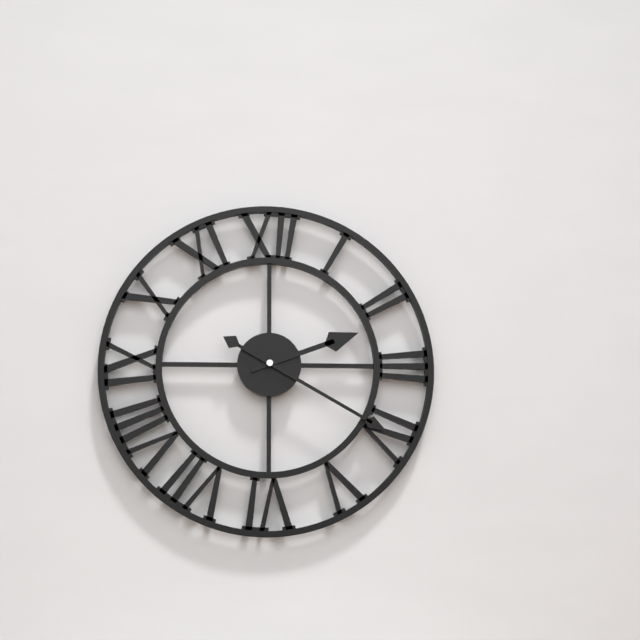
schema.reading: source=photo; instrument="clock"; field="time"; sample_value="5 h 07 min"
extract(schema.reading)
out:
2 h 20 min
